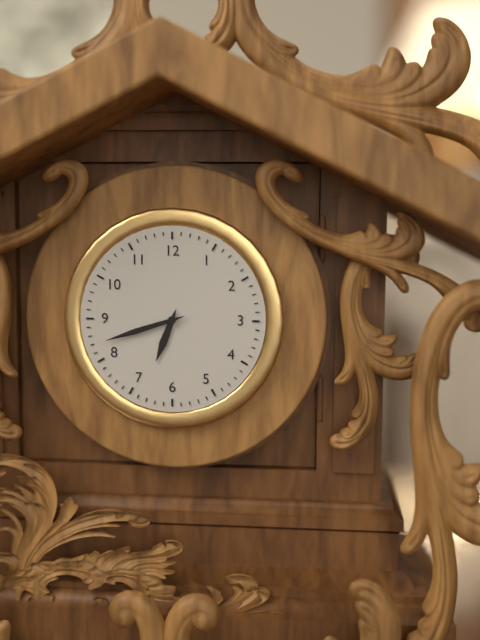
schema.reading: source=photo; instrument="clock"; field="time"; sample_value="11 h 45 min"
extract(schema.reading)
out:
6 h 42 min
